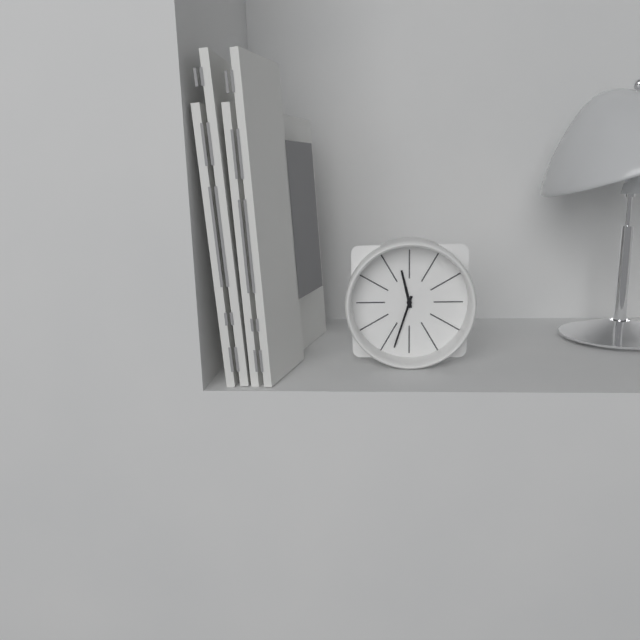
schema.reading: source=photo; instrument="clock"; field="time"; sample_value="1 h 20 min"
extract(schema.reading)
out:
11 h 33 min
